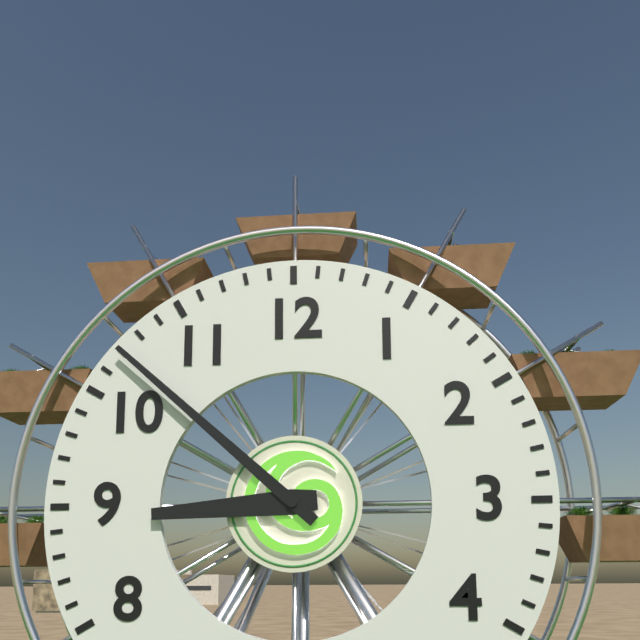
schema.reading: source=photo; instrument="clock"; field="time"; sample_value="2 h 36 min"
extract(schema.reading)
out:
8 h 52 min
